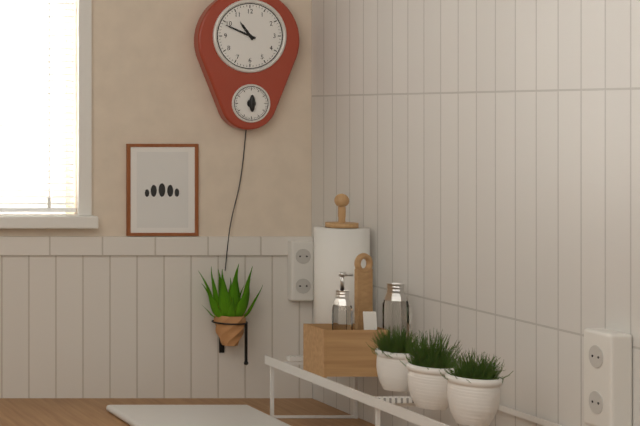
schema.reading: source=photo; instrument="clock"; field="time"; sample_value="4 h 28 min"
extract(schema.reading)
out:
10 h 49 min
